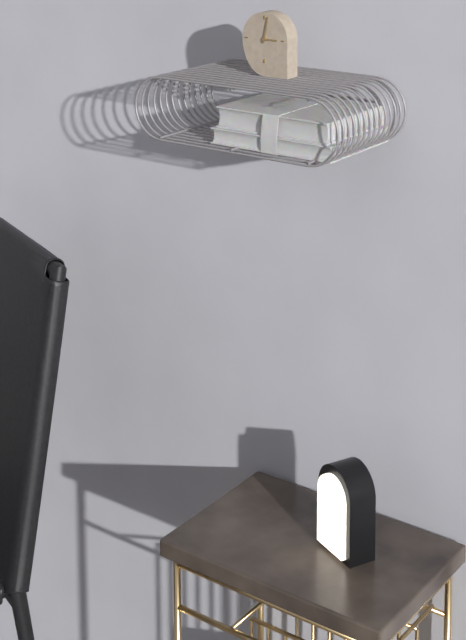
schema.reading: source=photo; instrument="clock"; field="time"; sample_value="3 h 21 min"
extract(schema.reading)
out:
3 h 02 min
